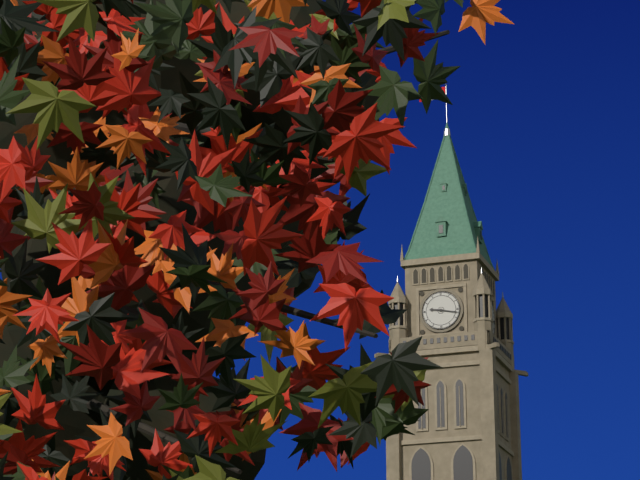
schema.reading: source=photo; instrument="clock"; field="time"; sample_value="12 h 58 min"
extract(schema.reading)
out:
9 h 17 min
